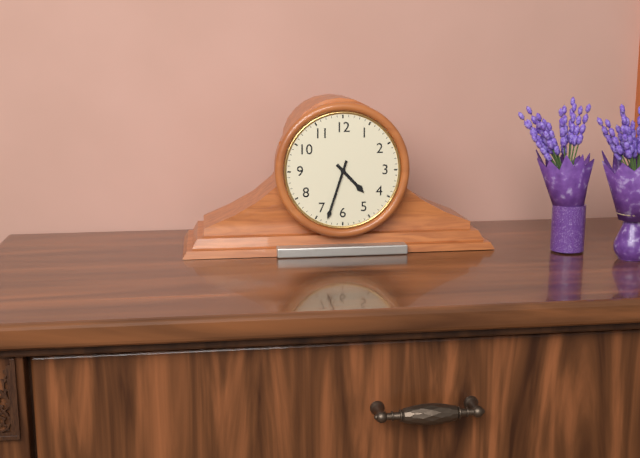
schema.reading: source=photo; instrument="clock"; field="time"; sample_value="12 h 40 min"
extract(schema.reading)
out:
4 h 33 min
